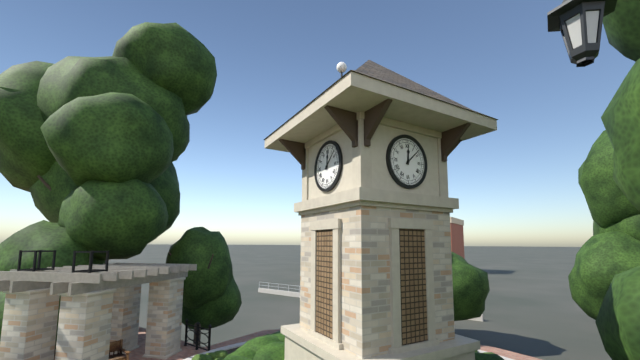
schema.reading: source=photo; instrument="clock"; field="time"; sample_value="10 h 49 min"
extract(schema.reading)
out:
12 h 08 min
